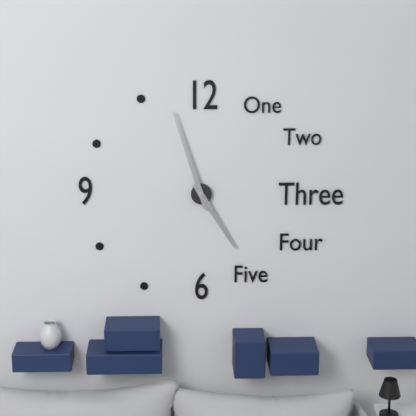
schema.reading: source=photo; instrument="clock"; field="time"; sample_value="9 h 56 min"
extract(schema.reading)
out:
4 h 57 min
